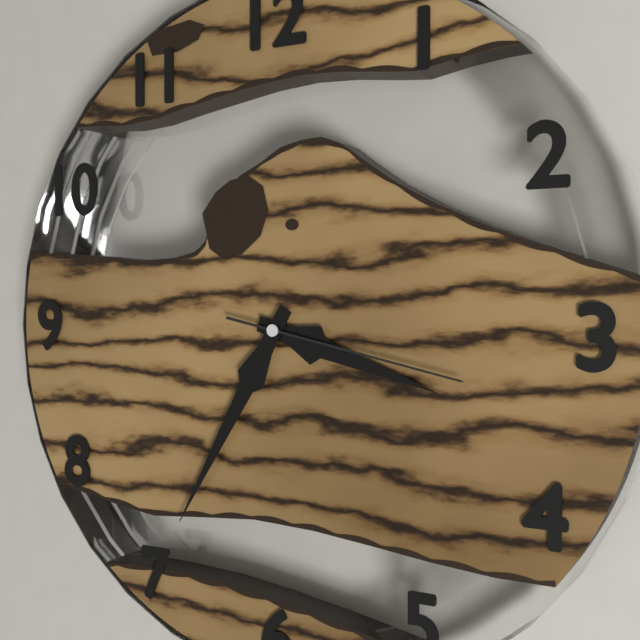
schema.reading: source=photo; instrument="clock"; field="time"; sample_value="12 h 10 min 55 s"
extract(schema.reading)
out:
3 h 35 min 17 s
